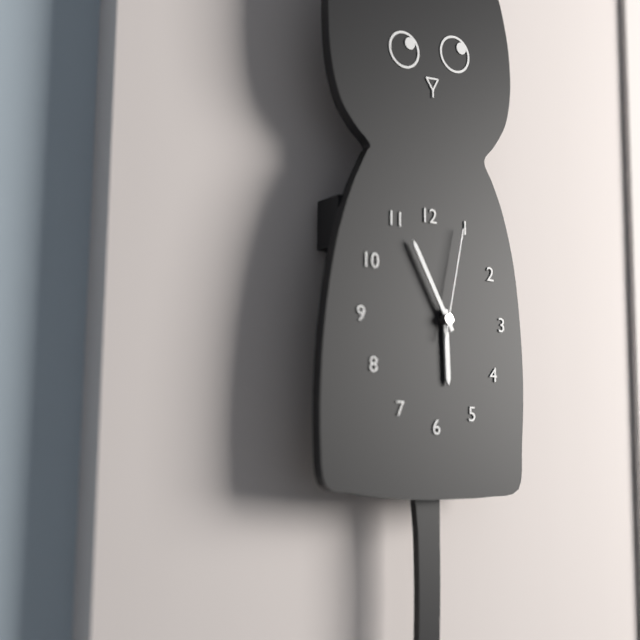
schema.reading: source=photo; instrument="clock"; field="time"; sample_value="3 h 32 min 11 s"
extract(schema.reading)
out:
5 h 55 min 02 s
